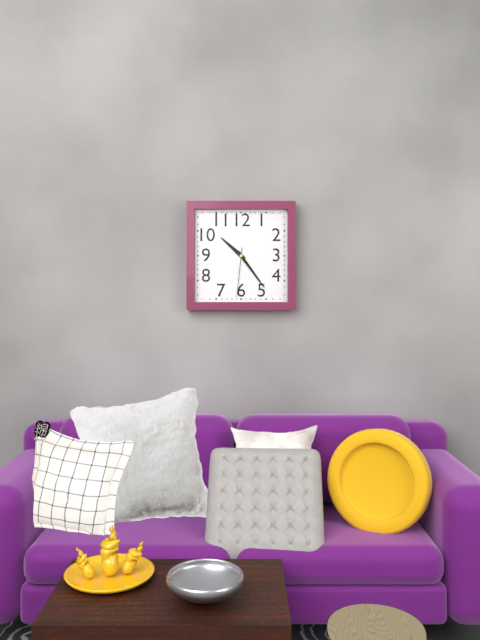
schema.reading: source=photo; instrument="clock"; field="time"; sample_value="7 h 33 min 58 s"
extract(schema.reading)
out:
10 h 24 min 31 s
